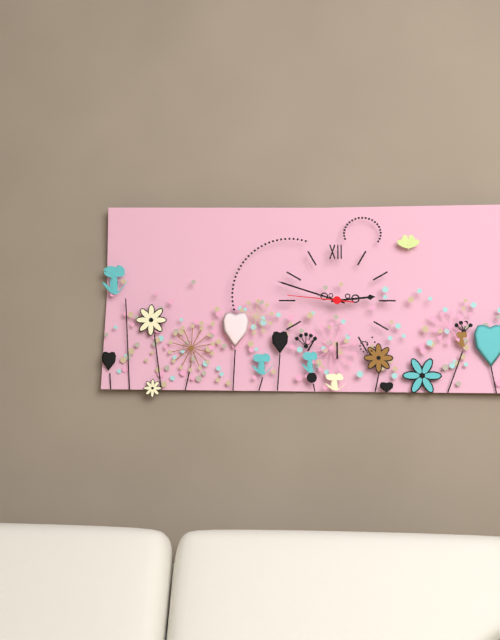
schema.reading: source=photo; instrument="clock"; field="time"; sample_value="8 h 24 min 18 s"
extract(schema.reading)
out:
2 h 48 min 46 s
